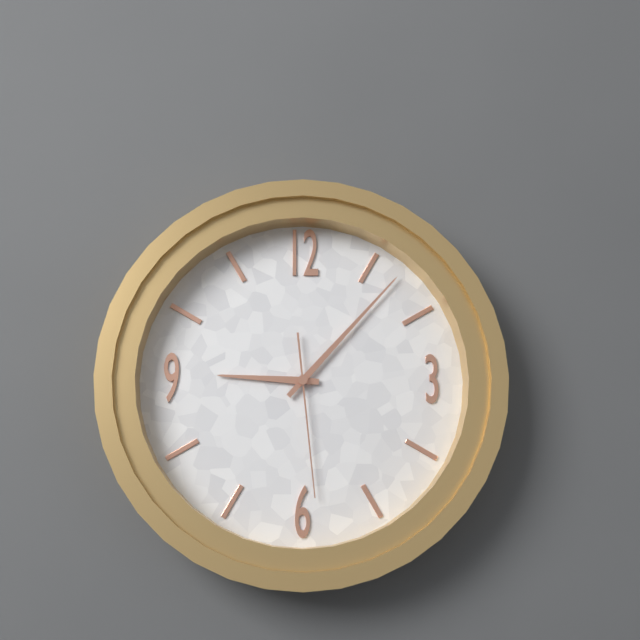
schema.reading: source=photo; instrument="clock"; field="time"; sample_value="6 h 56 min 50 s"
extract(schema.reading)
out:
9 h 07 min 29 s
